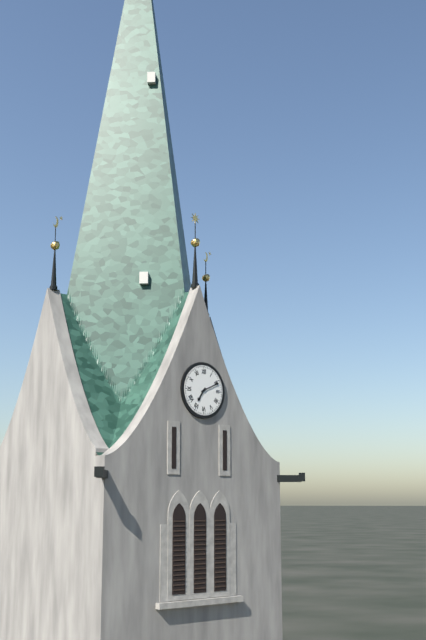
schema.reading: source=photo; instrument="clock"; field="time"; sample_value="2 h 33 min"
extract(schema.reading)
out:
7 h 11 min
